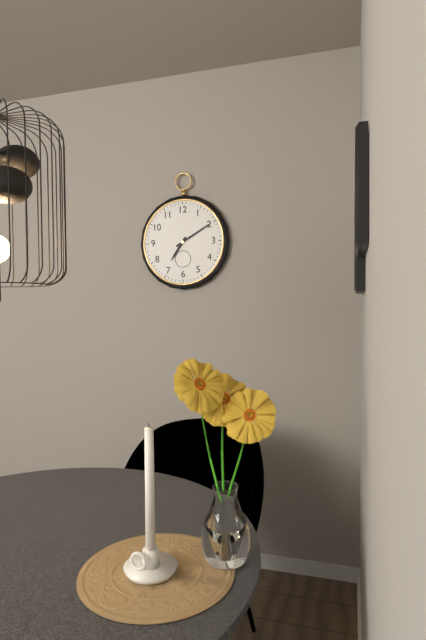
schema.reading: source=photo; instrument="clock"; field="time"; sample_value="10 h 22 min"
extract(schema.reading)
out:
7 h 10 min
